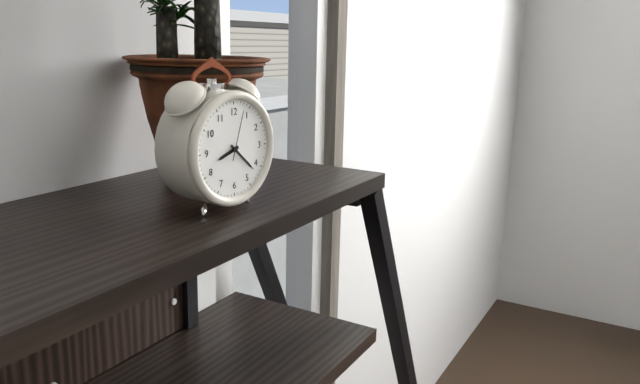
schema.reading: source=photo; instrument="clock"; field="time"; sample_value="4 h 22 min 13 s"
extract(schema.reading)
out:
8 h 22 min 03 s
